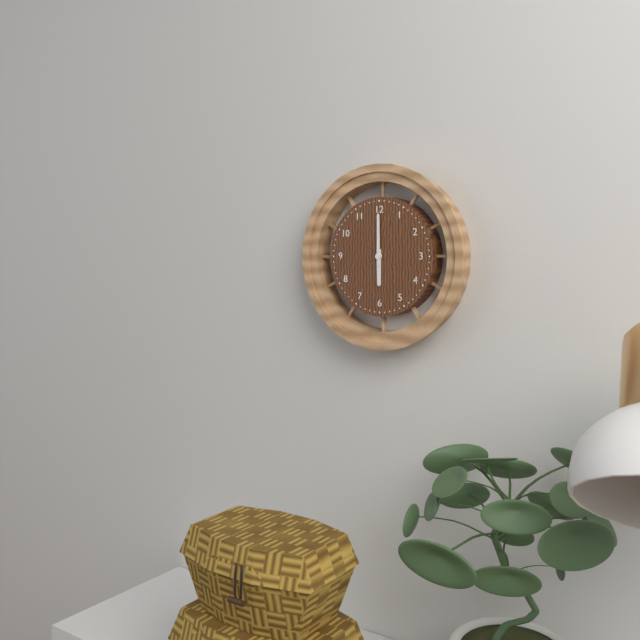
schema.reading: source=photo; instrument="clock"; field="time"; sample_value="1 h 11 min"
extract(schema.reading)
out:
6 h 00 min
